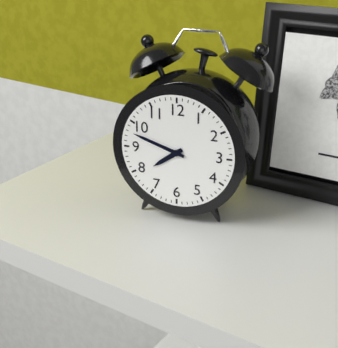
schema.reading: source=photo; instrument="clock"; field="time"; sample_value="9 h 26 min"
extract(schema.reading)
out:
7 h 48 min
